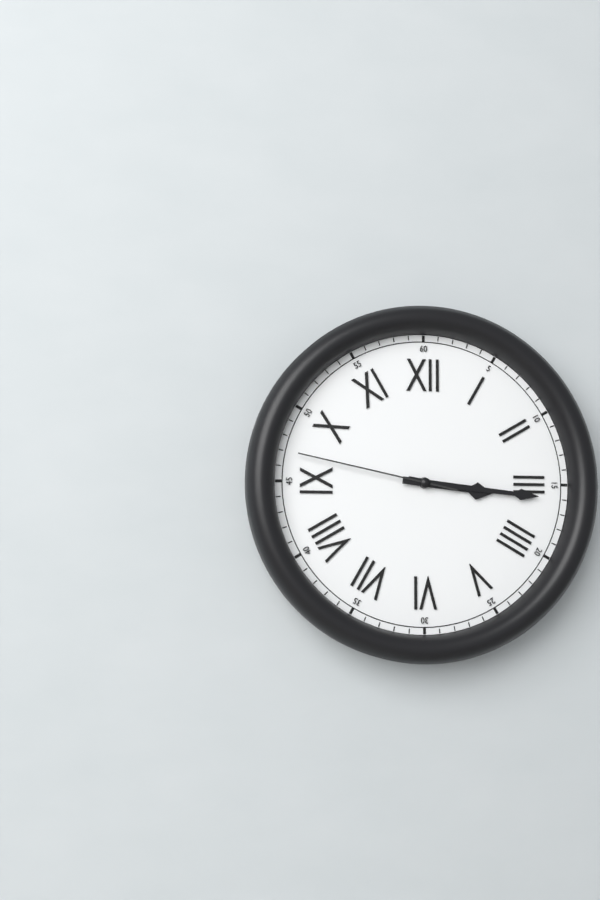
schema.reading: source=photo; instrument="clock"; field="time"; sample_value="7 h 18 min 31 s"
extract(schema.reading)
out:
3 h 16 min 47 s
